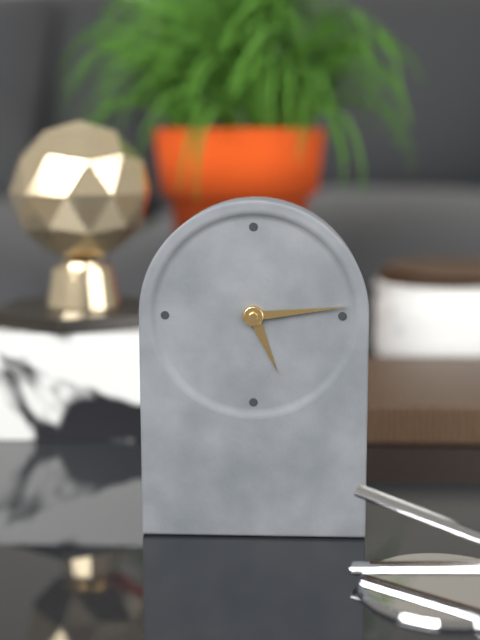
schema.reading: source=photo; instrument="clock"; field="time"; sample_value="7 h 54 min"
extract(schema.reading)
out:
5 h 14 min
